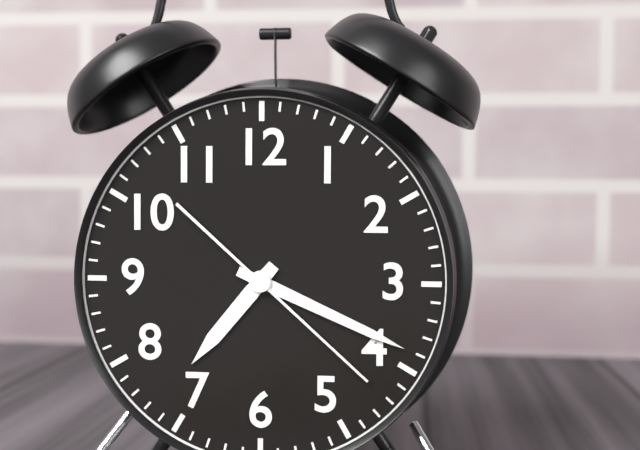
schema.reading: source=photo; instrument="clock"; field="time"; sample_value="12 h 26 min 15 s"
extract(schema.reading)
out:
7 h 19 min 22 s
